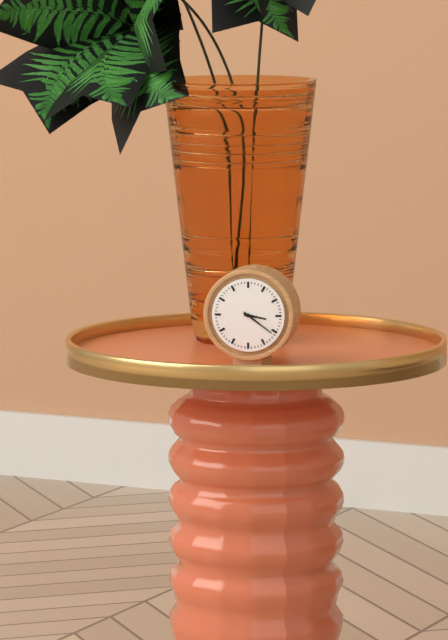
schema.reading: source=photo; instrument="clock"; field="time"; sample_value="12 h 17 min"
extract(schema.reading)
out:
3 h 21 min
